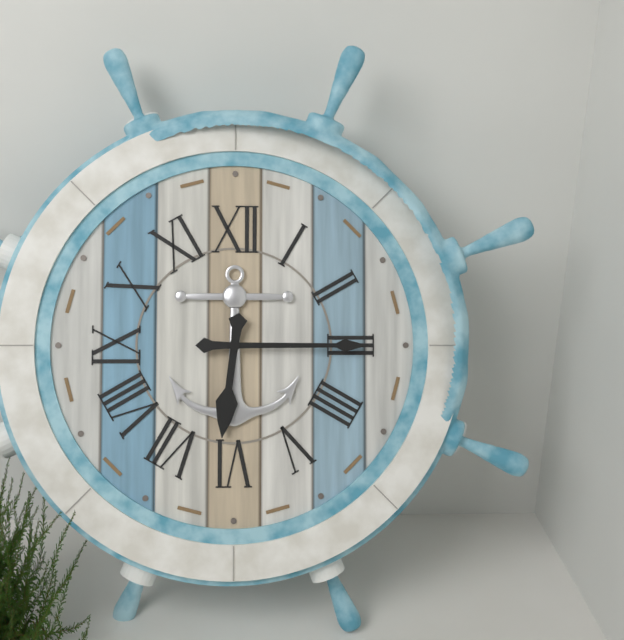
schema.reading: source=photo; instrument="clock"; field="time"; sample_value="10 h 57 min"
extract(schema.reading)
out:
6 h 15 min
